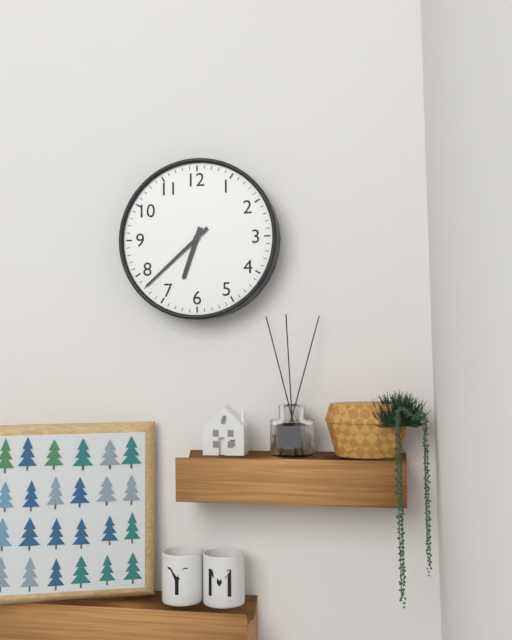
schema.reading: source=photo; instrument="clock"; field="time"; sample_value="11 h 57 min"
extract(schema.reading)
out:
6 h 38 min
